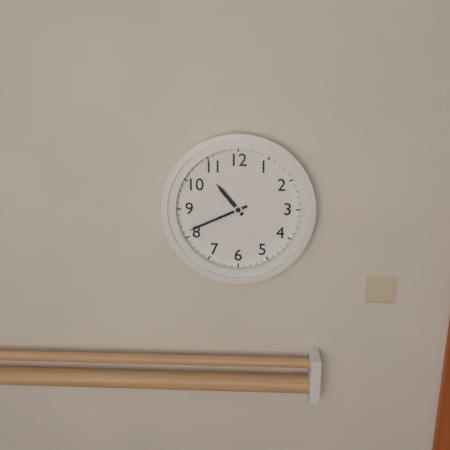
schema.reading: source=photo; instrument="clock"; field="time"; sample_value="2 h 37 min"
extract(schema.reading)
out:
10 h 41 min
